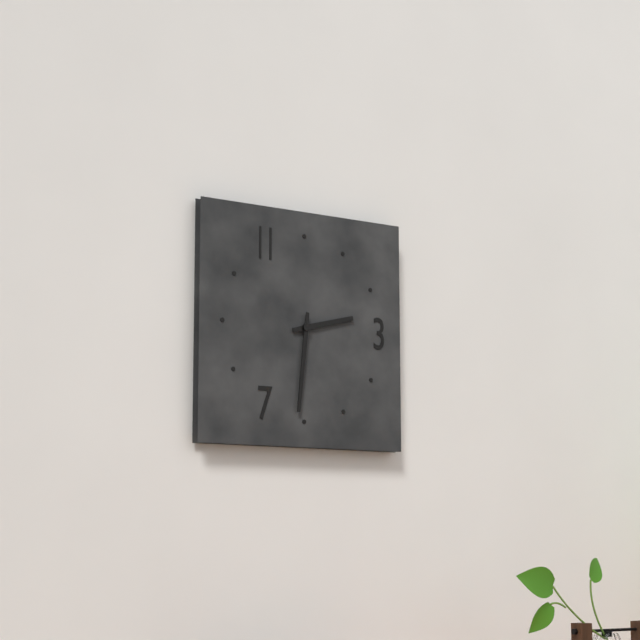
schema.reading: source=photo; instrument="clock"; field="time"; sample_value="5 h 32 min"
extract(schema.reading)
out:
2 h 31 min
